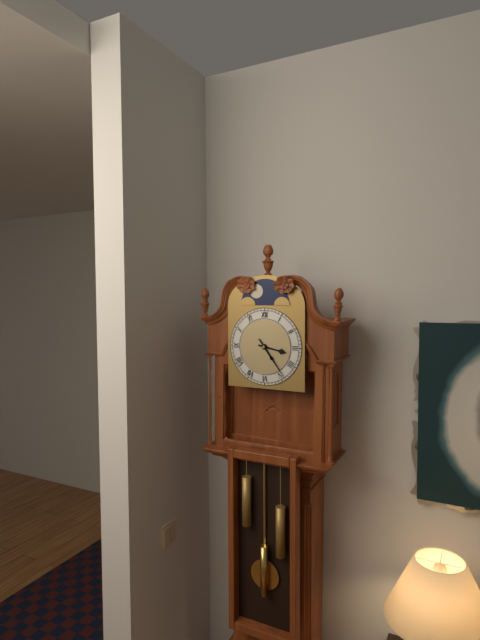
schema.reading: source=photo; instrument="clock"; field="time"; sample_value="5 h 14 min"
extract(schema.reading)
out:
3 h 24 min
